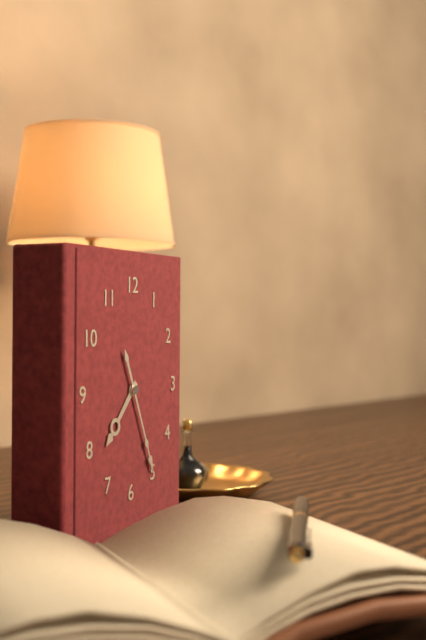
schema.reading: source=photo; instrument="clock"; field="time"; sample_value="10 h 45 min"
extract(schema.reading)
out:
7 h 26 min
